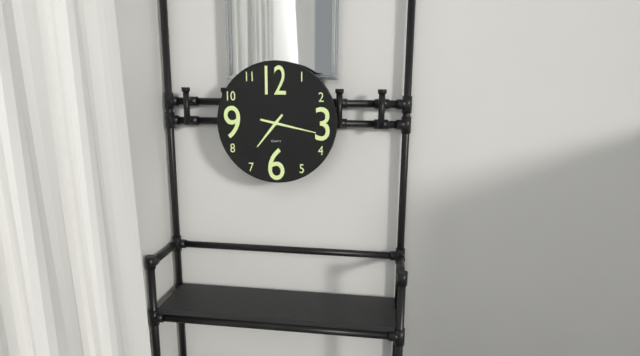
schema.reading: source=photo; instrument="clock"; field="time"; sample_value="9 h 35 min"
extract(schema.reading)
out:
7 h 17 min
